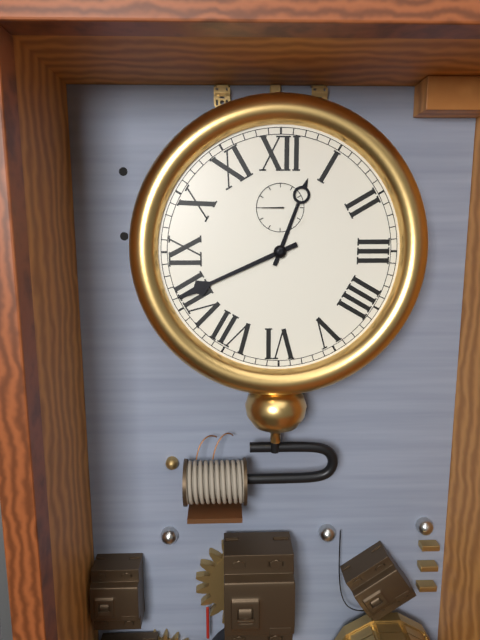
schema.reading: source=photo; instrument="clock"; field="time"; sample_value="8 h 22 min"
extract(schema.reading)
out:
12 h 41 min
